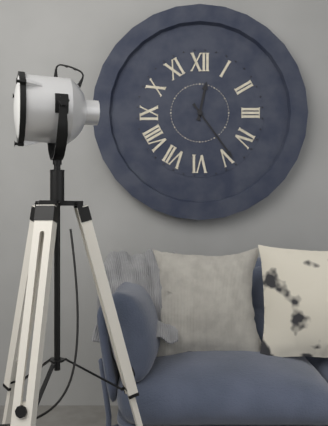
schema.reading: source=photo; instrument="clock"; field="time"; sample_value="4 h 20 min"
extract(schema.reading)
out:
12 h 24 min
